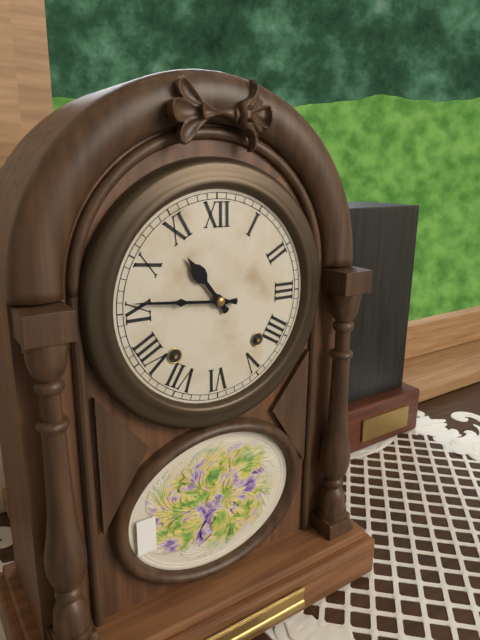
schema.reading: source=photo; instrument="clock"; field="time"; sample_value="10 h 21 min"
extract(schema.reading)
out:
10 h 46 min
